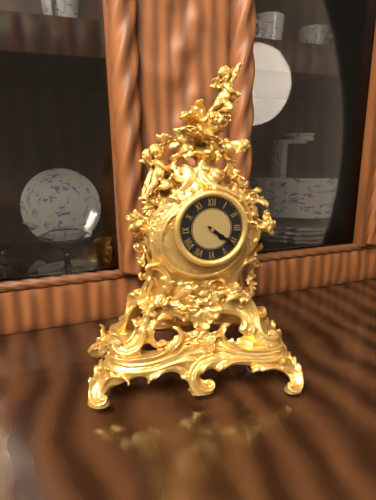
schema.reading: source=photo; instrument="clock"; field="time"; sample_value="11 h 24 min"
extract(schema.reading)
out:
4 h 21 min
